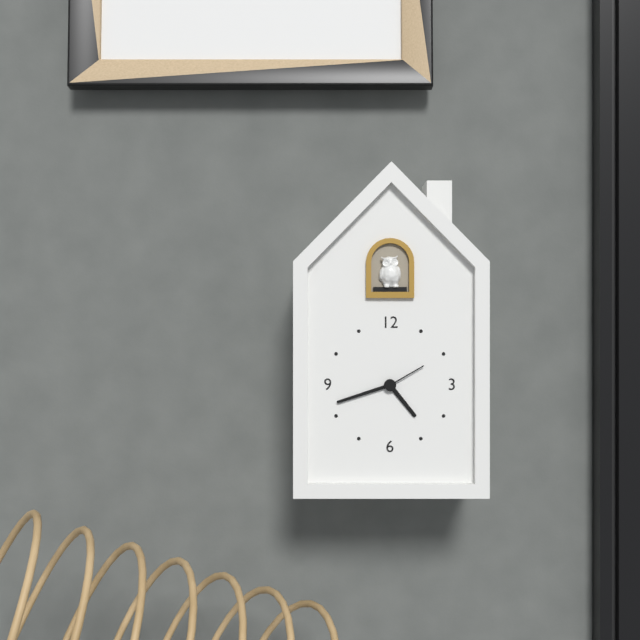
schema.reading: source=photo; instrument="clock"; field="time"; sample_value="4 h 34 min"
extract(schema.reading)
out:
4 h 42 min
